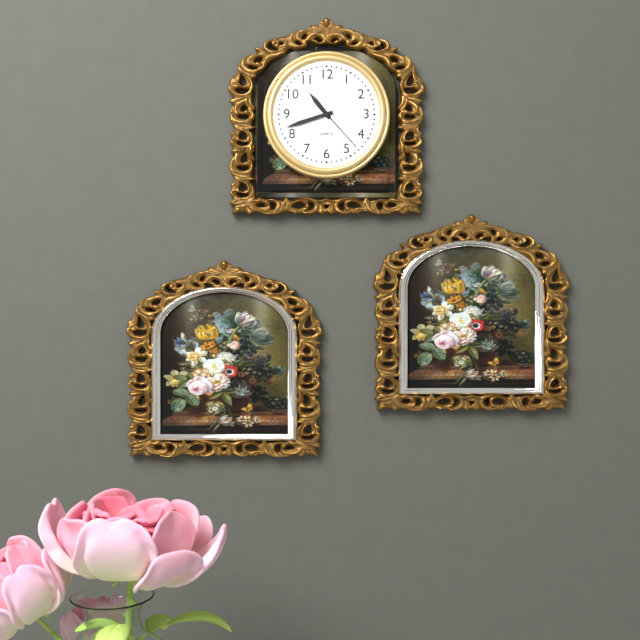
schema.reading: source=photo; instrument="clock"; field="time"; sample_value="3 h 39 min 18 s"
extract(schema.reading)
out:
10 h 42 min 23 s
